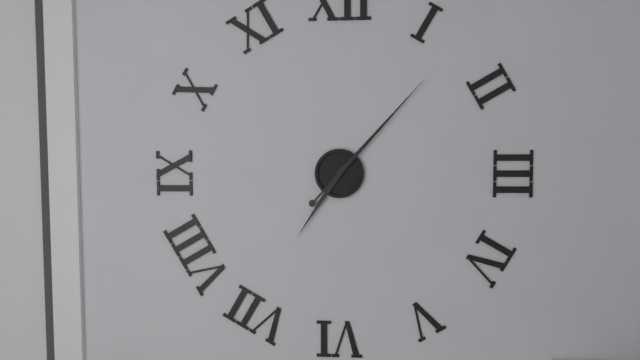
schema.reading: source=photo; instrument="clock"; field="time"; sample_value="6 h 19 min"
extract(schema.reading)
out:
7 h 07 min
